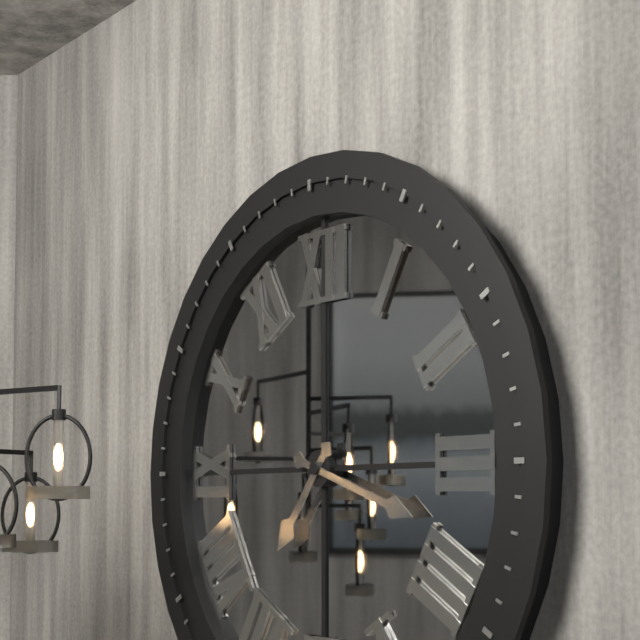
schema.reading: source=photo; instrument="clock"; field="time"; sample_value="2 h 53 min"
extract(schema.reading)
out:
7 h 18 min
